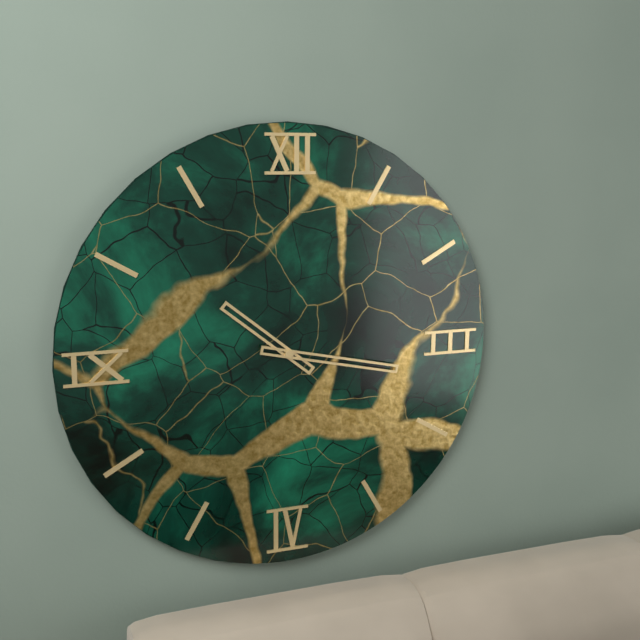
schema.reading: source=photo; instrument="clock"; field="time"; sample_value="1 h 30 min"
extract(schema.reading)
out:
10 h 17 min
